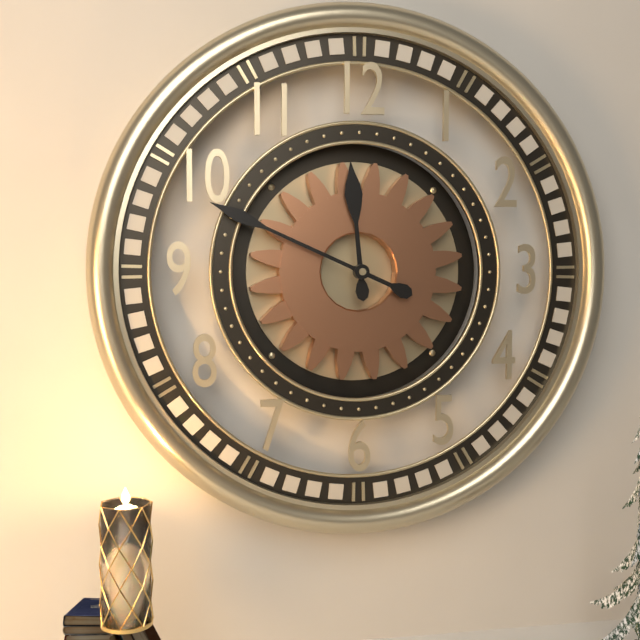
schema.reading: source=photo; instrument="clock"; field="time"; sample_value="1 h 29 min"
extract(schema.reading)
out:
11 h 49 min
